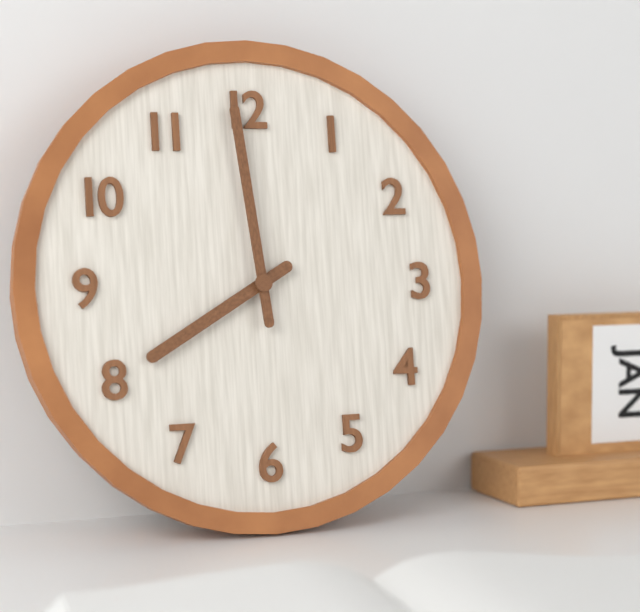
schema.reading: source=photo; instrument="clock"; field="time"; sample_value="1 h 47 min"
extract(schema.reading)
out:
7 h 59 min
